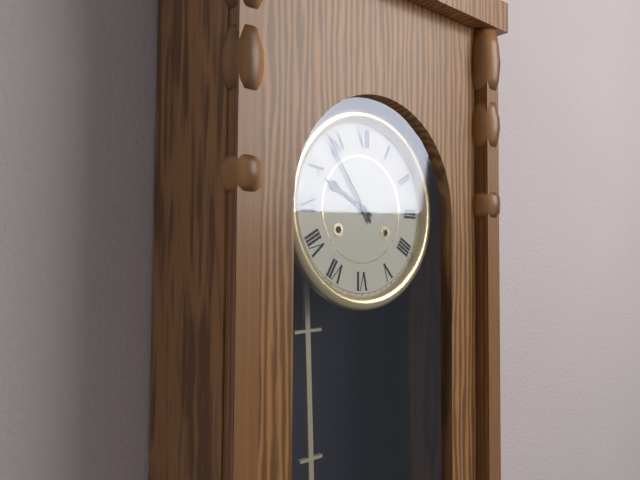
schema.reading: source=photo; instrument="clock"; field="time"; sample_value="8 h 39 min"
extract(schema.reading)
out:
9 h 54 min
